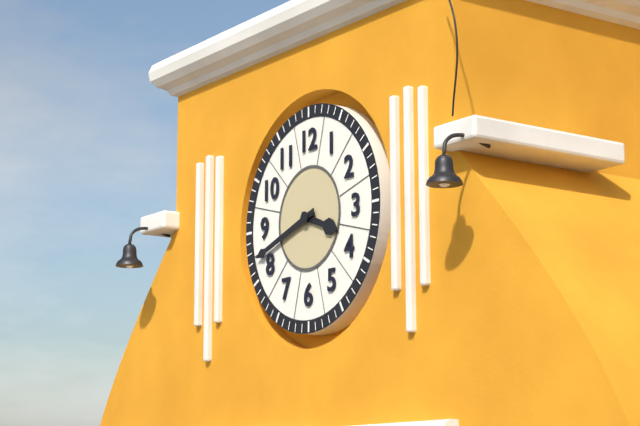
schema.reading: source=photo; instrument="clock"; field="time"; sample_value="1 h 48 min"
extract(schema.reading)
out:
3 h 42 min
